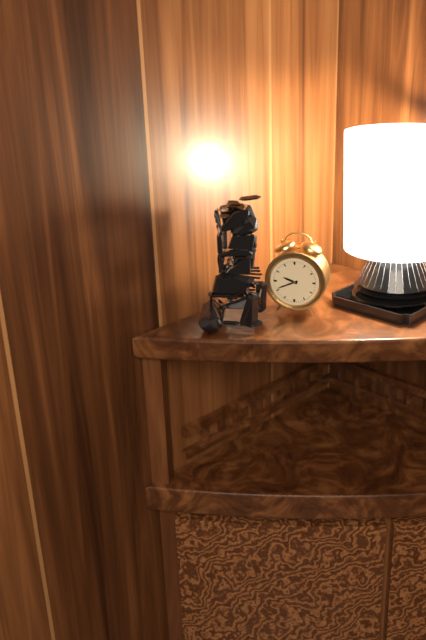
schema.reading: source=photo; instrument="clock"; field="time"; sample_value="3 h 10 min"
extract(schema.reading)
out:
9 h 41 min
